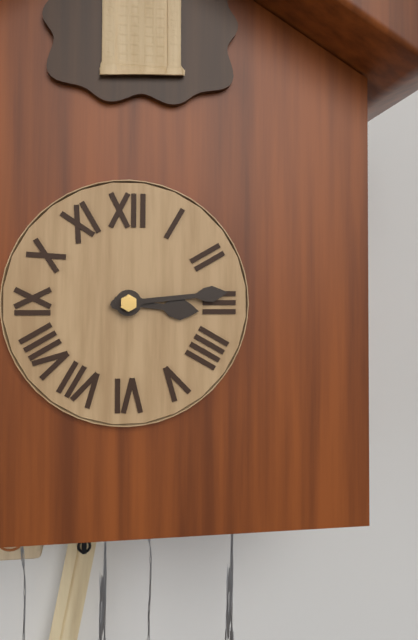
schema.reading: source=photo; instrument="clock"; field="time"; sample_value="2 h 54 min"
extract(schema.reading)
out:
3 h 14 min
